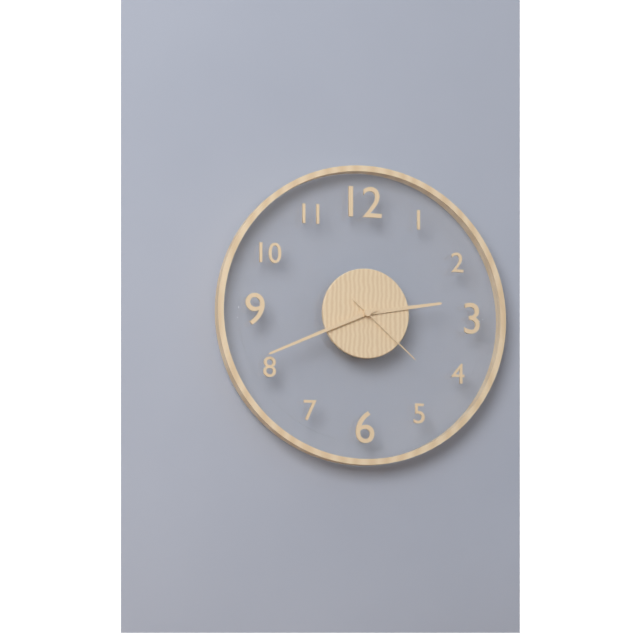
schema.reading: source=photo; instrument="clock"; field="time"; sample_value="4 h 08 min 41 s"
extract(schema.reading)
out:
2 h 41 min 22 s
